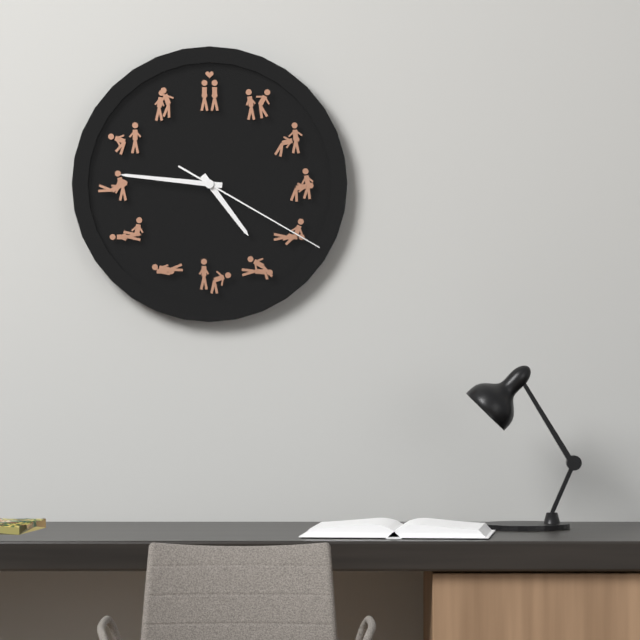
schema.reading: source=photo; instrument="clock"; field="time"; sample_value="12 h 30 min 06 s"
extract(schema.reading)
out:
4 h 46 min 20 s
